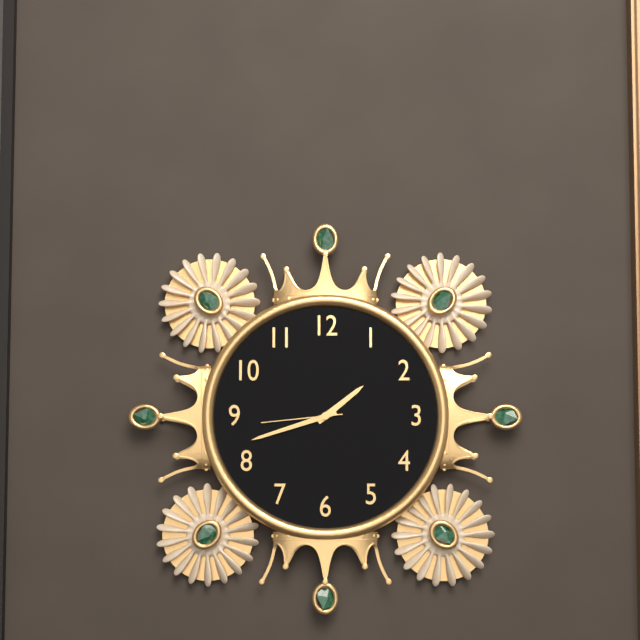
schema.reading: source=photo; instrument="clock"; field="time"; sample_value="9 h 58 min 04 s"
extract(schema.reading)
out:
1 h 42 min 44 s
